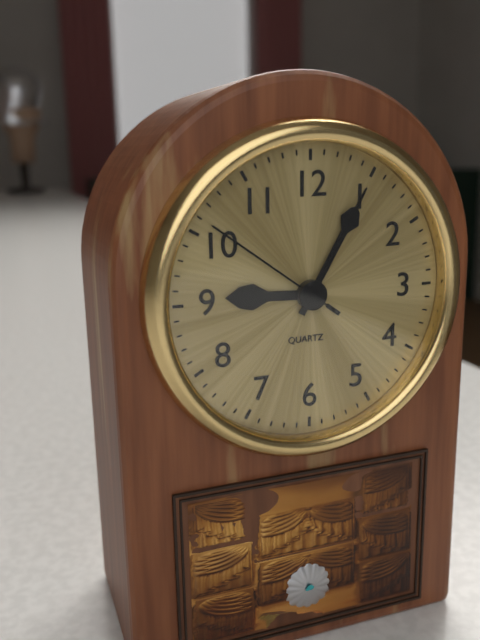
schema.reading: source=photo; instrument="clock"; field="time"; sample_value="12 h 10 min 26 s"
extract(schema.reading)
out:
9 h 05 min 51 s
